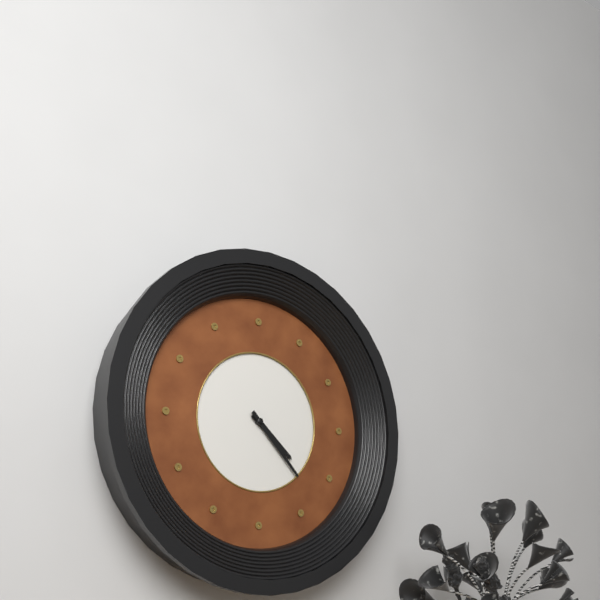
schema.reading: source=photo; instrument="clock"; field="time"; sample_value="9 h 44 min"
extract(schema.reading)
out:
4 h 23 min
